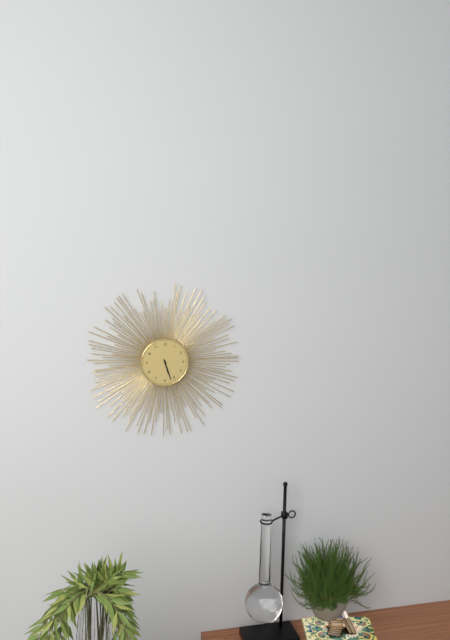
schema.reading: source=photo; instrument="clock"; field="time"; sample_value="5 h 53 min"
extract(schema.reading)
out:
5 h 27 min
